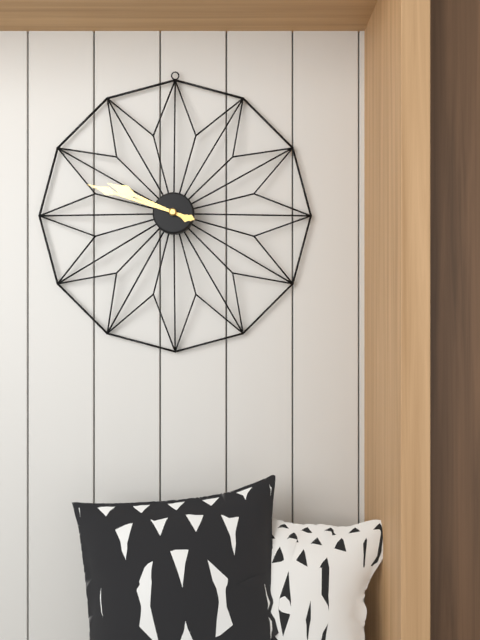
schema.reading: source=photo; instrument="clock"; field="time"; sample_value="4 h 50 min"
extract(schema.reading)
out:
9 h 48 min
